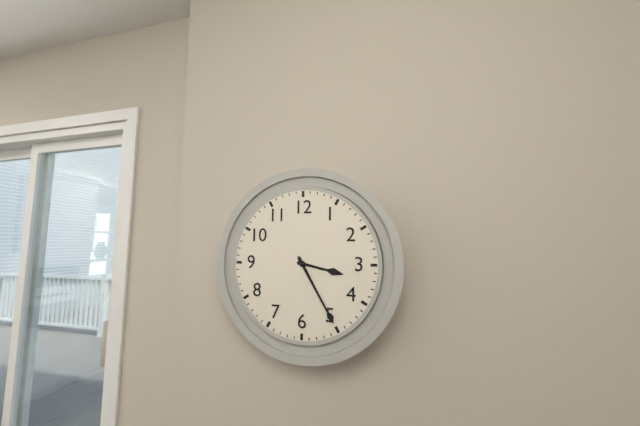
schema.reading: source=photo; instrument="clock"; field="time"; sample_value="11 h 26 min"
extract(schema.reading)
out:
3 h 25 min
